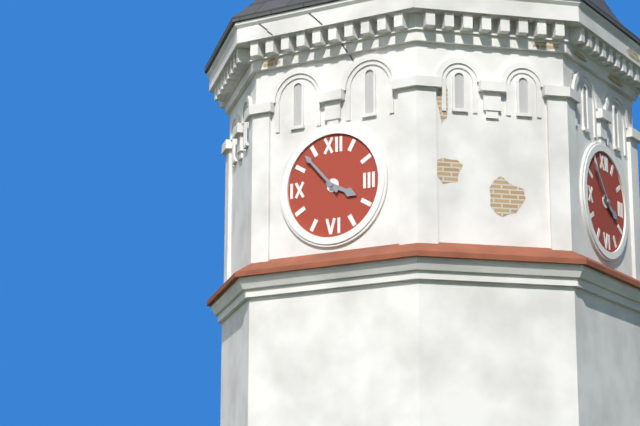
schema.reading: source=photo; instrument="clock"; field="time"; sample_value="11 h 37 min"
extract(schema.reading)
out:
3 h 53 min
